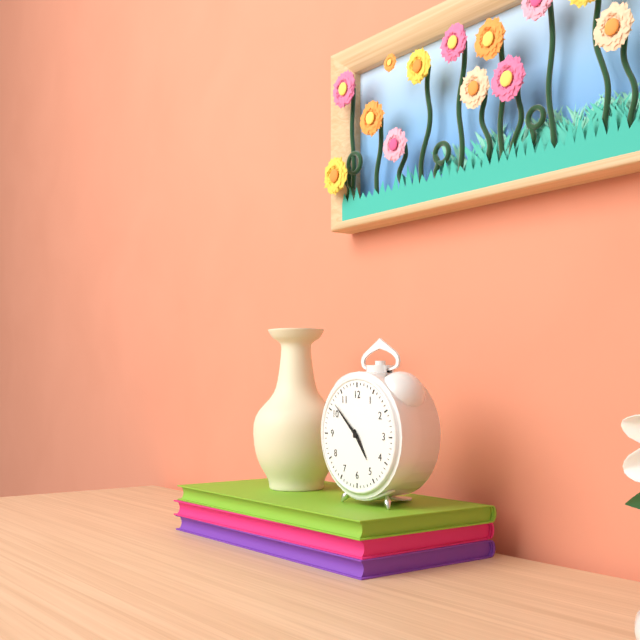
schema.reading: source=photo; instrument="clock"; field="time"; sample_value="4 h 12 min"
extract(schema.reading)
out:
4 h 52 min
